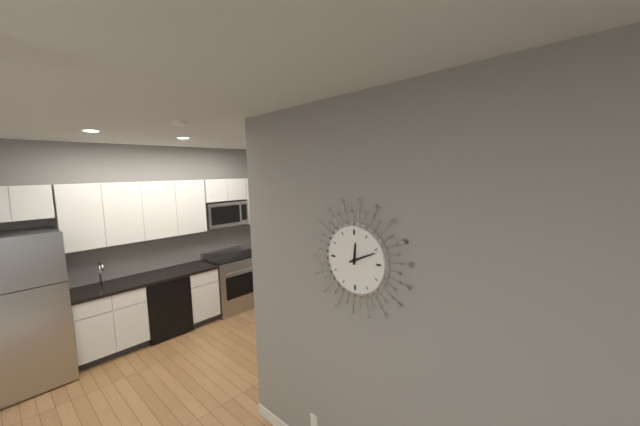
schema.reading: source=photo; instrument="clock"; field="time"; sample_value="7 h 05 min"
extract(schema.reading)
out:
12 h 11 min
